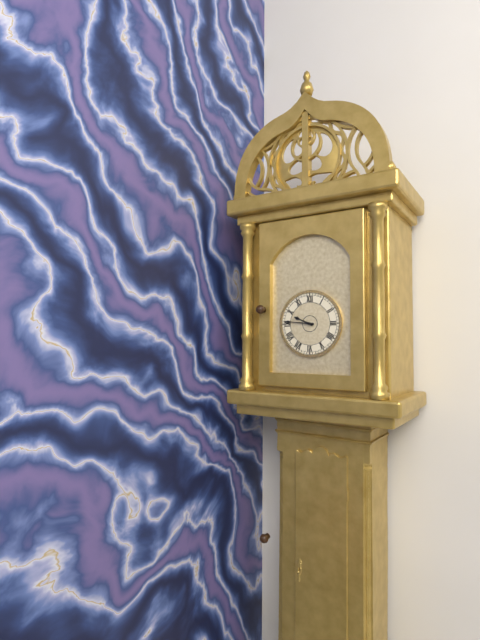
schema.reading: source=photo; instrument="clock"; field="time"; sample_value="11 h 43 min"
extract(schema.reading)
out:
9 h 46 min
